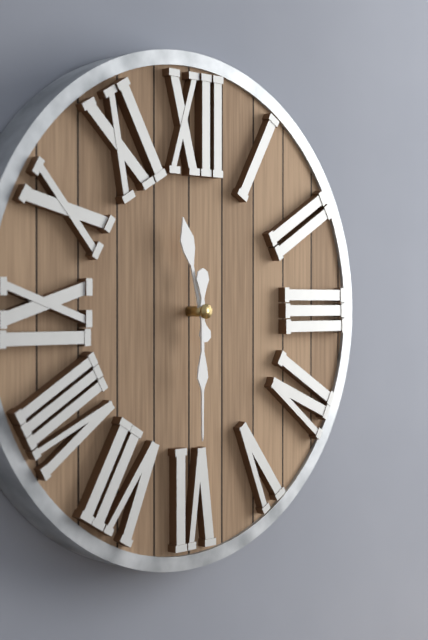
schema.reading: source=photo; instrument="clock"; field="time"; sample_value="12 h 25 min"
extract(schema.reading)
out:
11 h 30 min
